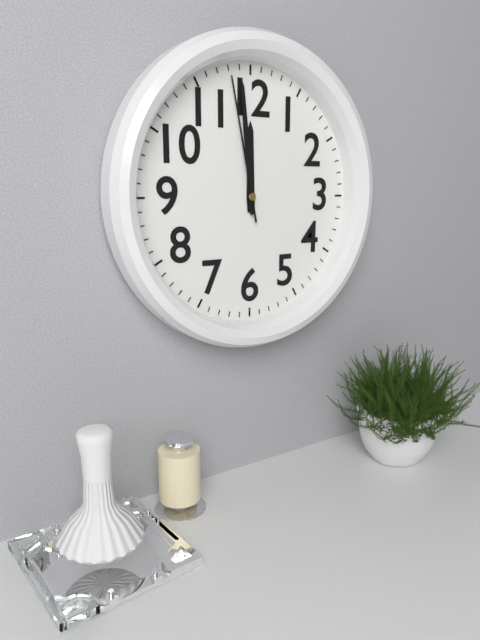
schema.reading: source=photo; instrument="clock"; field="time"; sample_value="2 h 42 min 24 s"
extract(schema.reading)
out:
11 h 59 min 58 s
